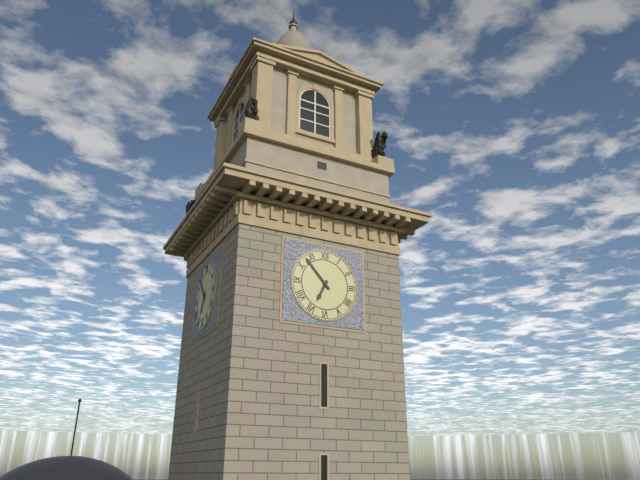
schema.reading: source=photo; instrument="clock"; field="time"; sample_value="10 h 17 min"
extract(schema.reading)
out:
6 h 53 min
